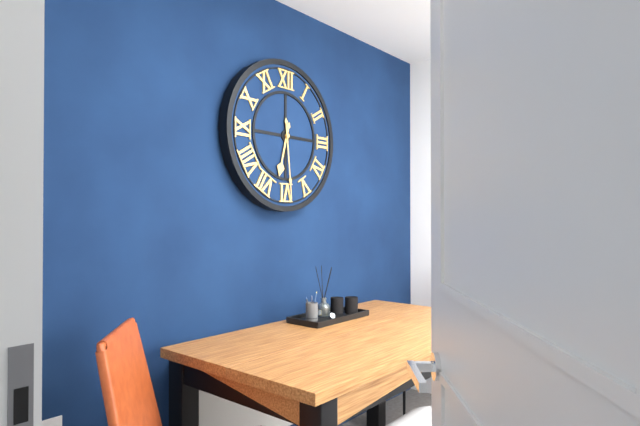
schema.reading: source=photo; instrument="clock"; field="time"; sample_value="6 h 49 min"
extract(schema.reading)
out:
6 h 29 min
